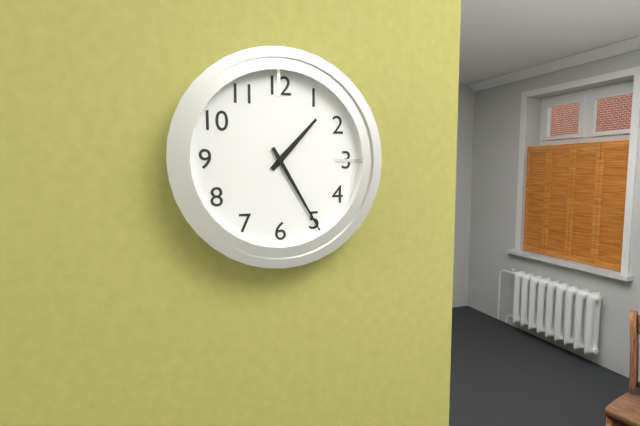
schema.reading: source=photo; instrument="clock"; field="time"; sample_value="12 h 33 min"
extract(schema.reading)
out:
1 h 25 min
